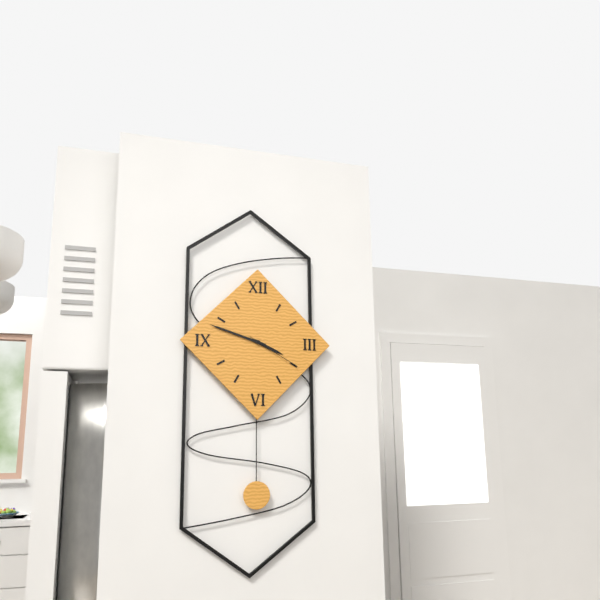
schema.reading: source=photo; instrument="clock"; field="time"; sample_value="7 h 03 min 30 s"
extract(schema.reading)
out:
3 h 48 min 20 s
